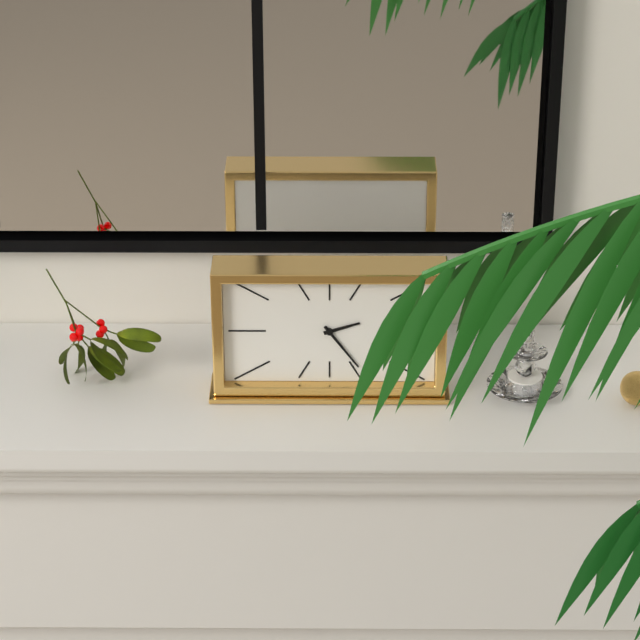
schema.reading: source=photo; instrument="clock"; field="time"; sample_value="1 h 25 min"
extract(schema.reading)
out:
2 h 24 min
